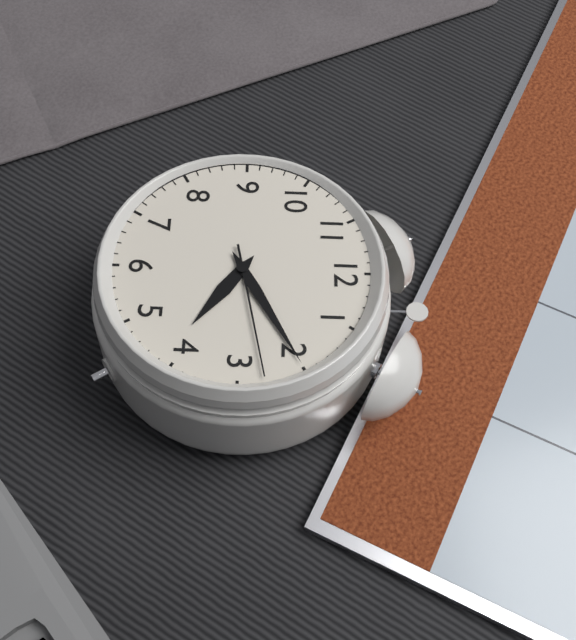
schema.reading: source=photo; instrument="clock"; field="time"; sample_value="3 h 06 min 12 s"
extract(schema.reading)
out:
4 h 10 min 13 s
